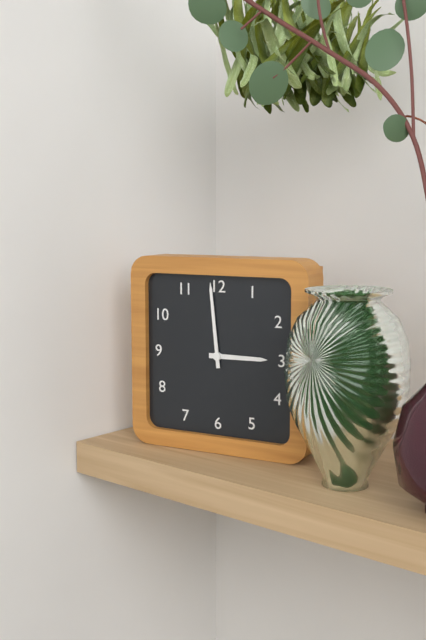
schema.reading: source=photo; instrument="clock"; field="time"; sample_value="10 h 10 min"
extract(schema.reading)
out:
2 h 59 min
